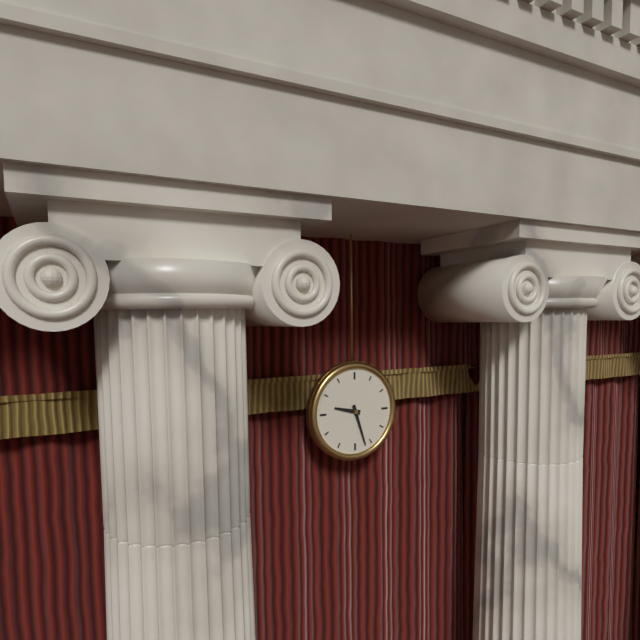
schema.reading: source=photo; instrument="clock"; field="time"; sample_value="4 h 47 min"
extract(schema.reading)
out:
9 h 27 min
